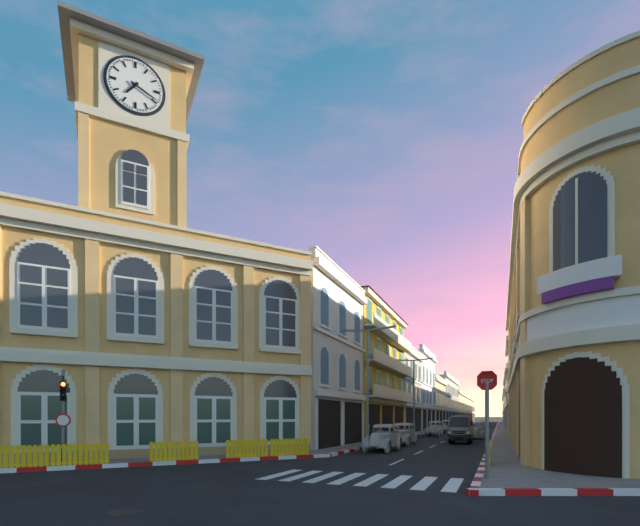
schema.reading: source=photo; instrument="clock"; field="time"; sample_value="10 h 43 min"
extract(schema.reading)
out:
7 h 19 min
